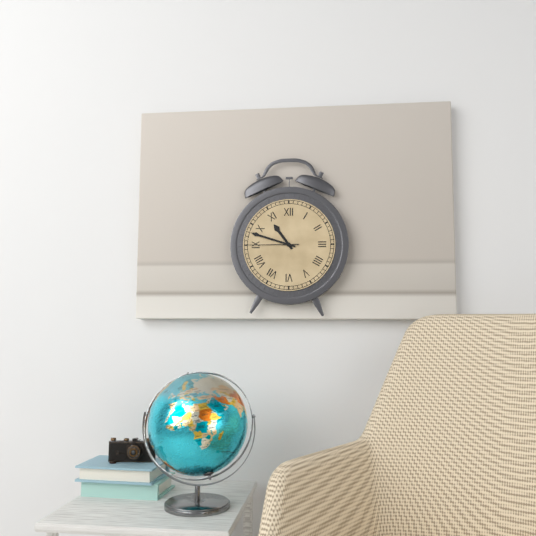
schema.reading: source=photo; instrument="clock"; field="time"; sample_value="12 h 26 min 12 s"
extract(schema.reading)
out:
10 h 48 min 45 s
